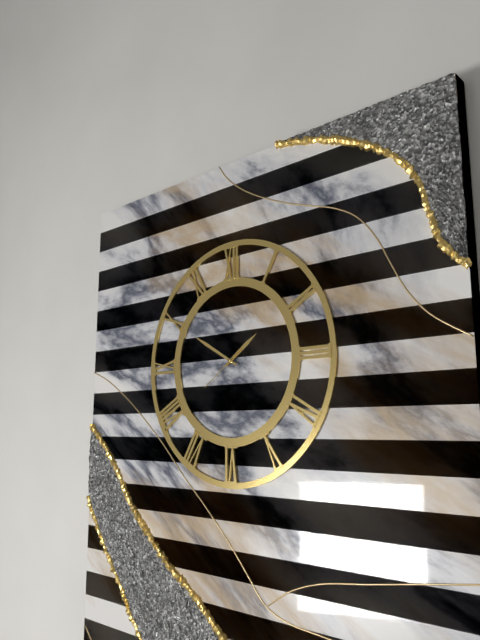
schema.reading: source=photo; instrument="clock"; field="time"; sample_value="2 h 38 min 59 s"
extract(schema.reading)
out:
1 h 50 min 39 s
